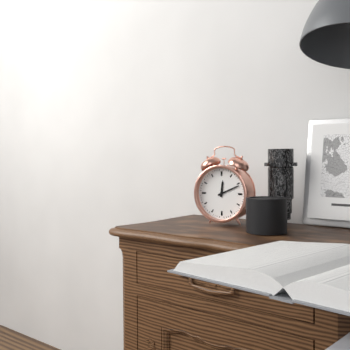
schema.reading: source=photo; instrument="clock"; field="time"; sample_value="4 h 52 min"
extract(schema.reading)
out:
12 h 11 min
